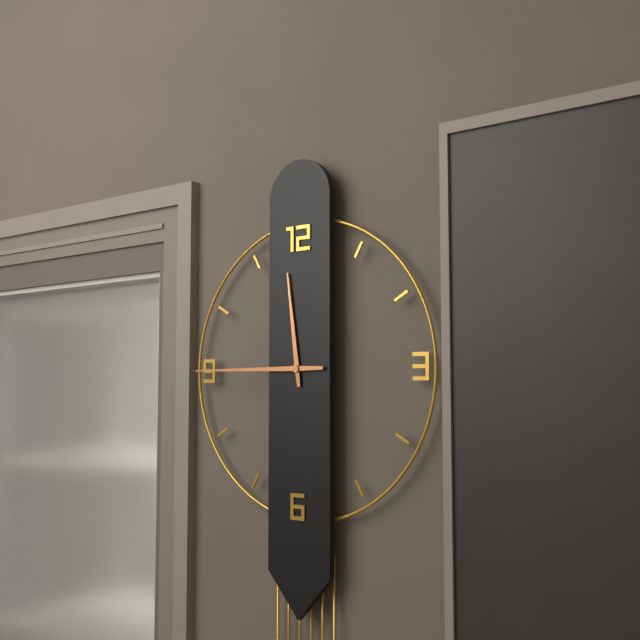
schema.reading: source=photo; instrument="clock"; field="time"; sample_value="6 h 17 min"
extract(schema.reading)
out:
11 h 45 min
